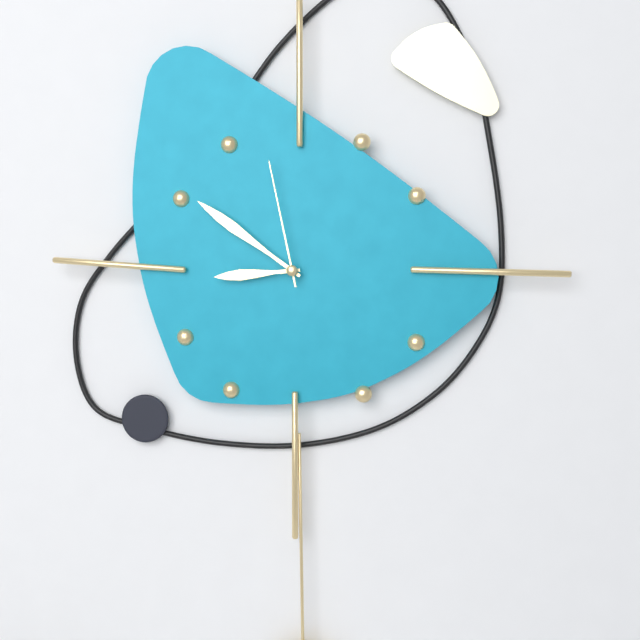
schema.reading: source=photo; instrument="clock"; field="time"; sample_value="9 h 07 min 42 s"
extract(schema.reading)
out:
8 h 51 min 58 s
